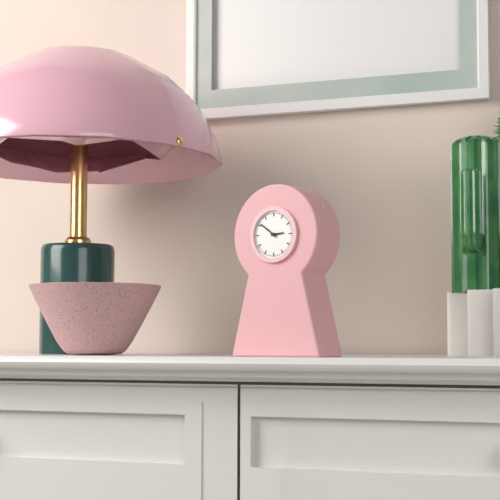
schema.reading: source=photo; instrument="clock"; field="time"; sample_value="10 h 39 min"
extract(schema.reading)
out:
2 h 51 min
